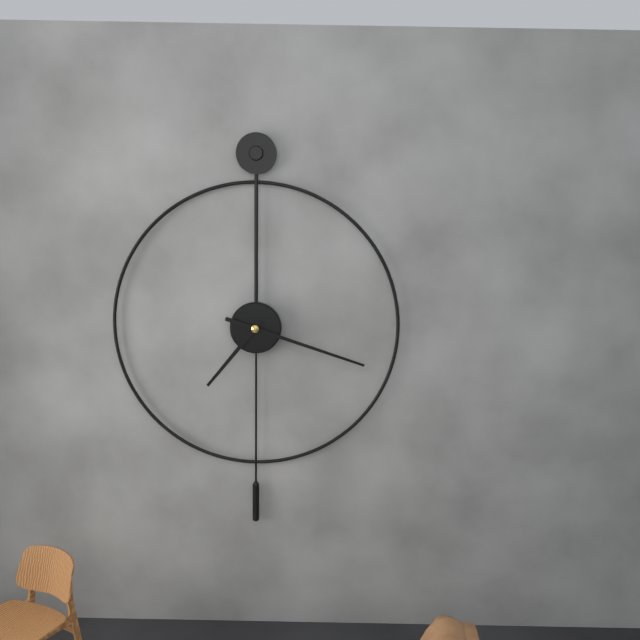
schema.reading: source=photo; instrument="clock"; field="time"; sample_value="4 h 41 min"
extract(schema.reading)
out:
7 h 18 min
